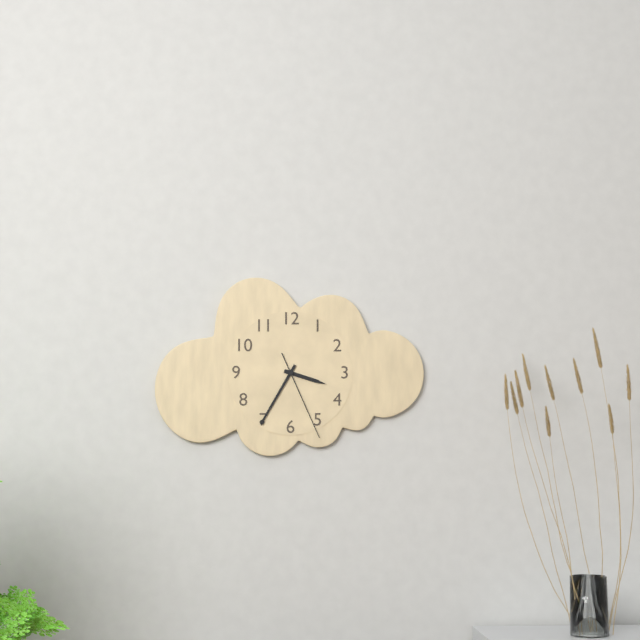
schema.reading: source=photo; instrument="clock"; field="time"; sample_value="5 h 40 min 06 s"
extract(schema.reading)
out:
3 h 35 min 26 s
